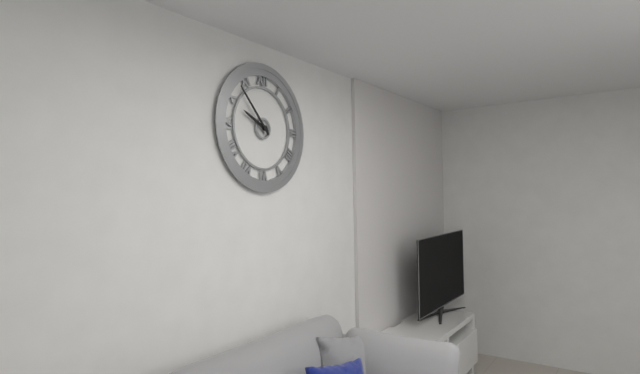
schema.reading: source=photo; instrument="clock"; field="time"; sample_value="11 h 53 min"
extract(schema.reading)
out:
9 h 53 min
